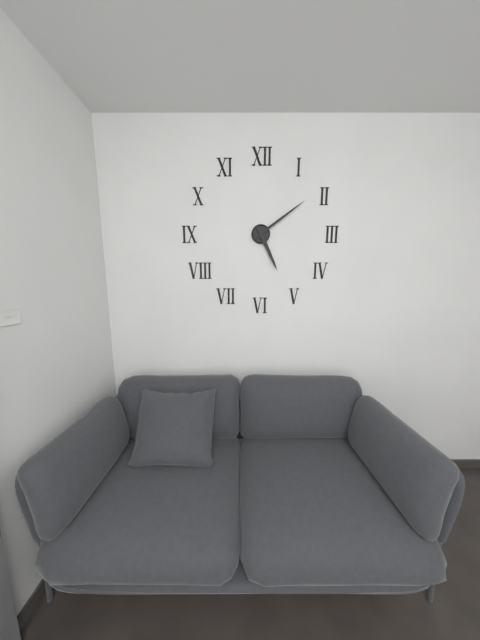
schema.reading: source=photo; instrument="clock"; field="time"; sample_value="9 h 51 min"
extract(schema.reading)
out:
5 h 09 min
